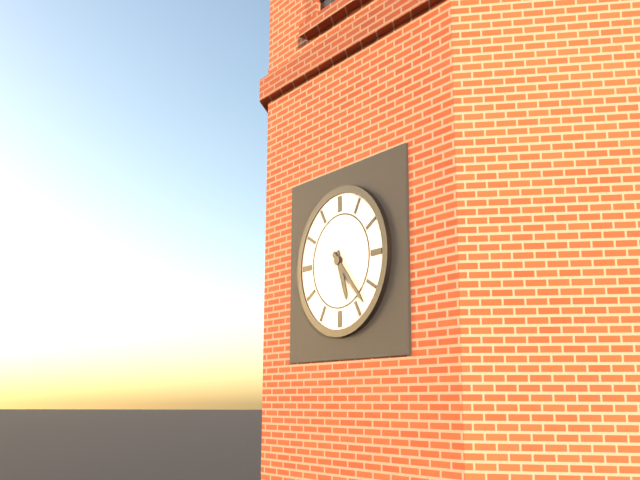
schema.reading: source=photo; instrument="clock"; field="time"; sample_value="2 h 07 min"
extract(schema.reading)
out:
5 h 23 min
